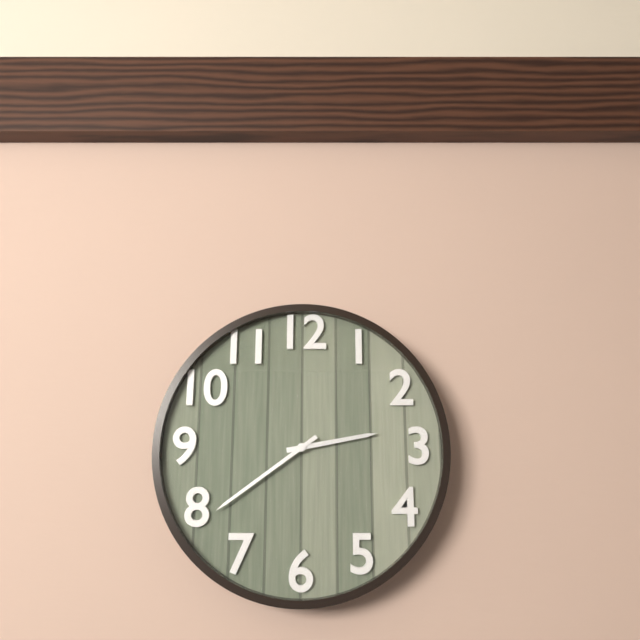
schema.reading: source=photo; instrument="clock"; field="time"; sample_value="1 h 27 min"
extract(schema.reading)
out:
2 h 39 min
